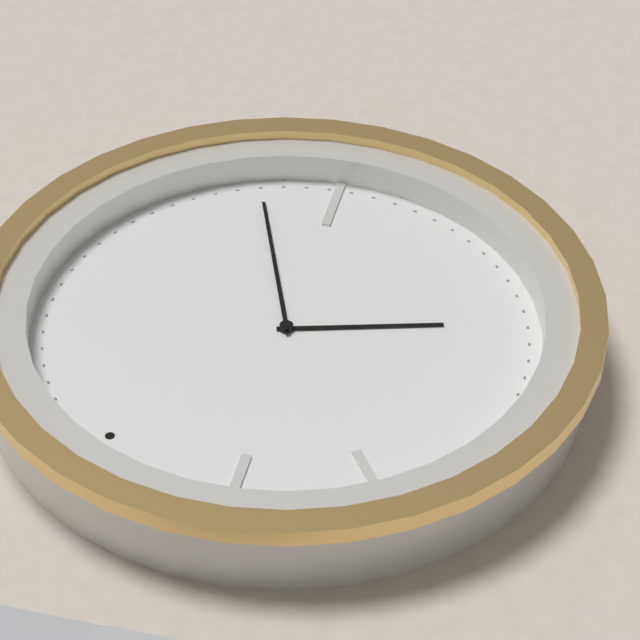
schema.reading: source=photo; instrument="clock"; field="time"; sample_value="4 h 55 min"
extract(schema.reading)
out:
7 h 21 min
